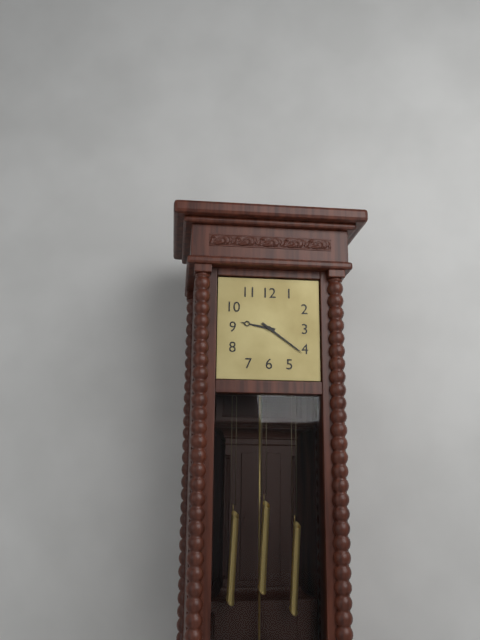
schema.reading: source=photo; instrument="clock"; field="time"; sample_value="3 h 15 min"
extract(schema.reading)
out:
9 h 21 min
